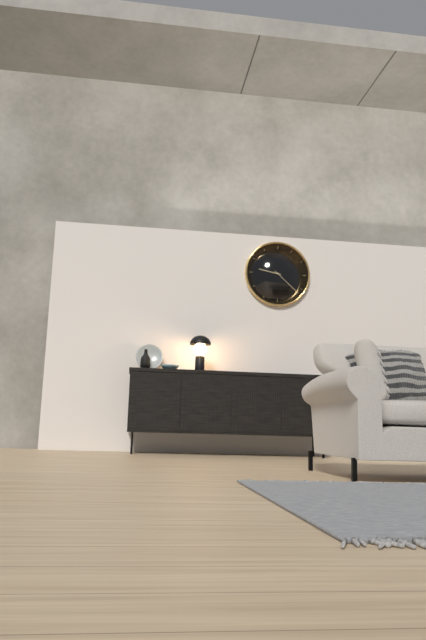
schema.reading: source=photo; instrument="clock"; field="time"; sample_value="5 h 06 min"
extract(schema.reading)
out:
9 h 22 min
